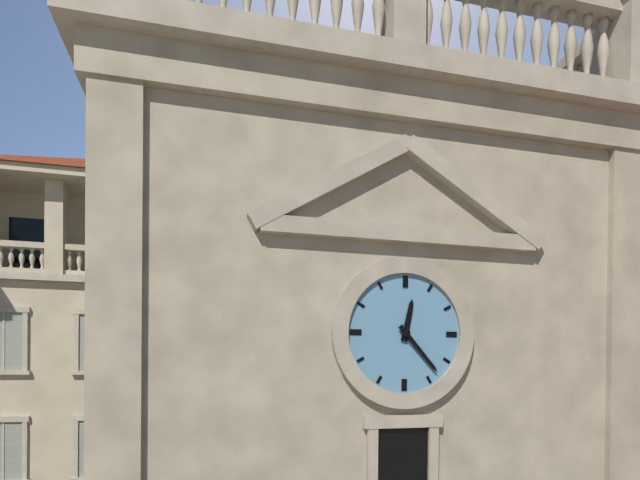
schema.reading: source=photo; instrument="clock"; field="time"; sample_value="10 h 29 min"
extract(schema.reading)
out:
12 h 23 min
